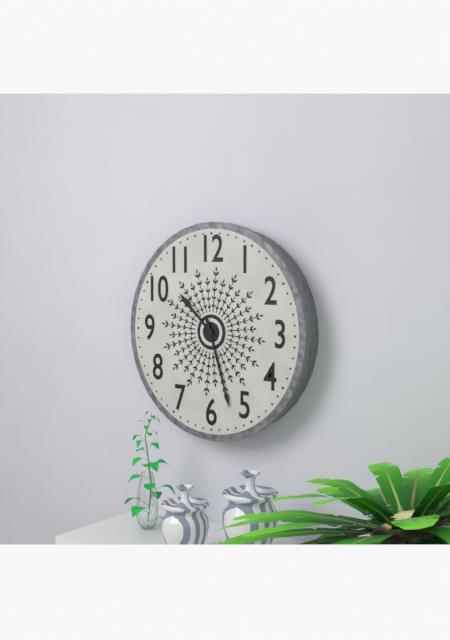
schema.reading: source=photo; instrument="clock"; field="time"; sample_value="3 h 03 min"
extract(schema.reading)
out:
10 h 27 min
